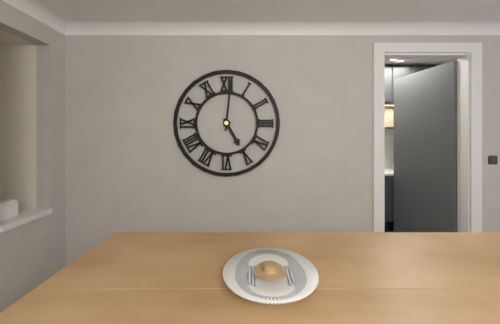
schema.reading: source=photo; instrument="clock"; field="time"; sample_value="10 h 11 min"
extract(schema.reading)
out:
5 h 01 min
